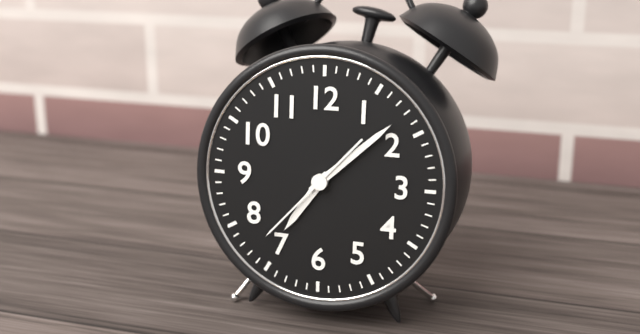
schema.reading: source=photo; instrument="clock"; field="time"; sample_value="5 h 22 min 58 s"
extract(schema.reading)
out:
7 h 08 min 37 s
